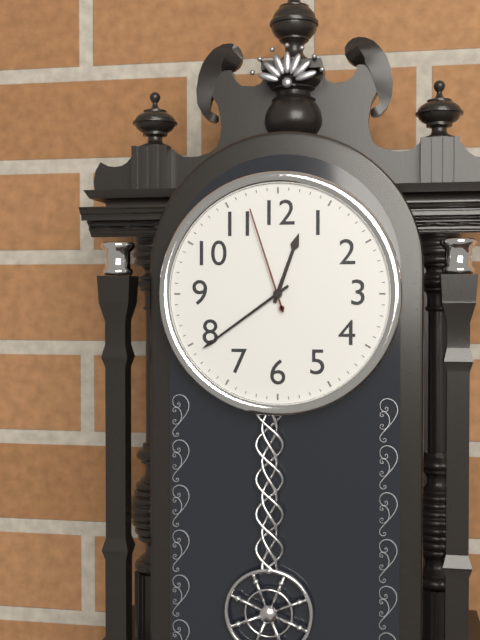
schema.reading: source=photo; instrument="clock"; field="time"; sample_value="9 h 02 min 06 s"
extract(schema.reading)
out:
12 h 39 min 57 s
